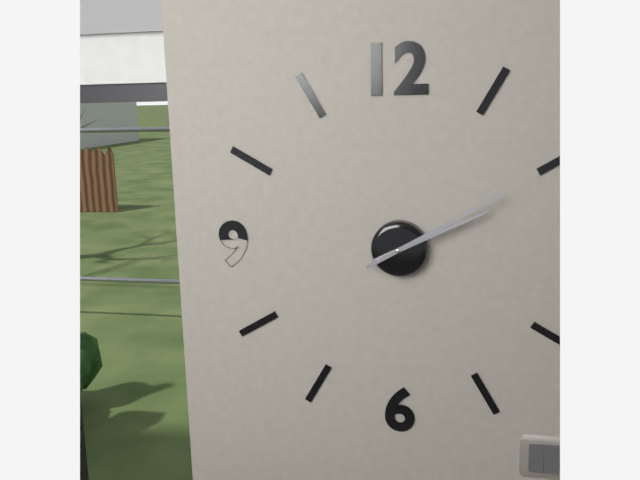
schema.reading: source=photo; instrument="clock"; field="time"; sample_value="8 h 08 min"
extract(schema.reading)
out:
2 h 10 min
